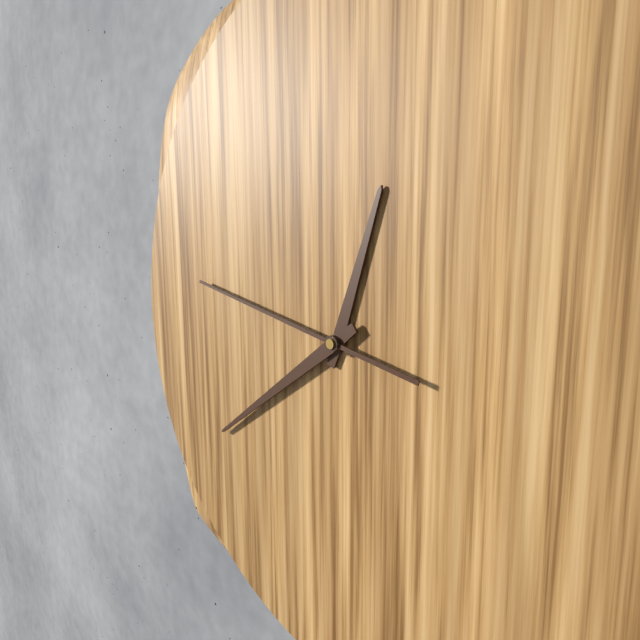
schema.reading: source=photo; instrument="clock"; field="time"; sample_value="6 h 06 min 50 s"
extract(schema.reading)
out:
12 h 39 min 47 s
